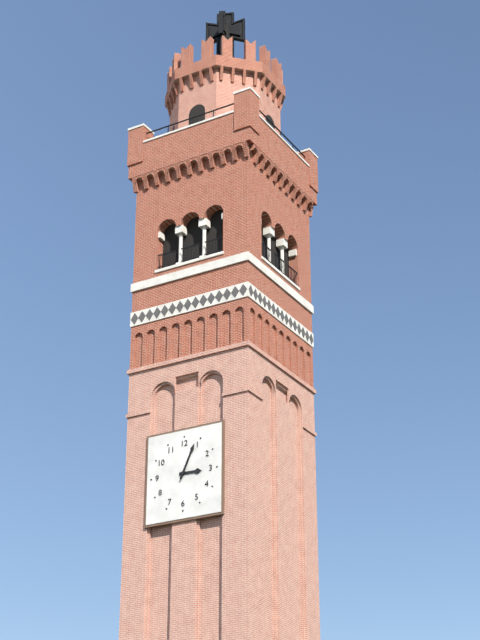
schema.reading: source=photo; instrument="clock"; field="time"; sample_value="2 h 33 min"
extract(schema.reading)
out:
3 h 04 min
